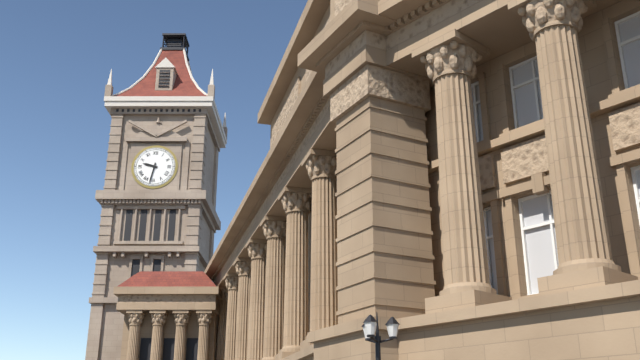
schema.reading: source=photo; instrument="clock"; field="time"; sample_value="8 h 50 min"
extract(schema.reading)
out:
9 h 32 min
